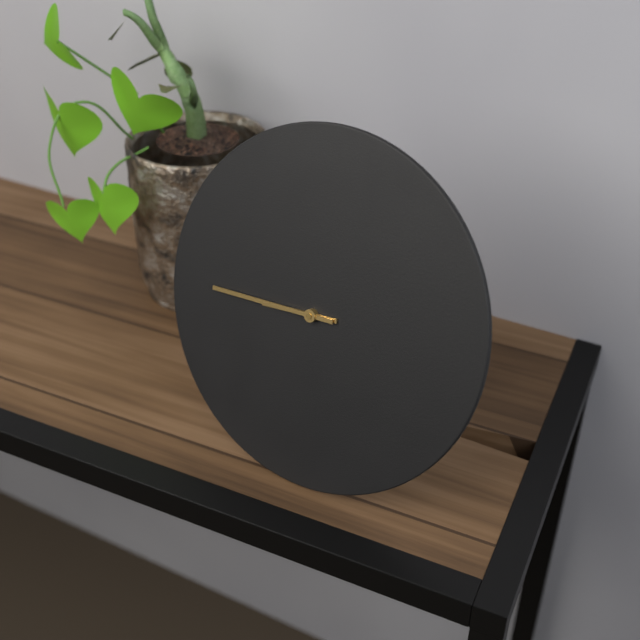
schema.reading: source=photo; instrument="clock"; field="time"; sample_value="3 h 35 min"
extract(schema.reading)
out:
8 h 44 min
